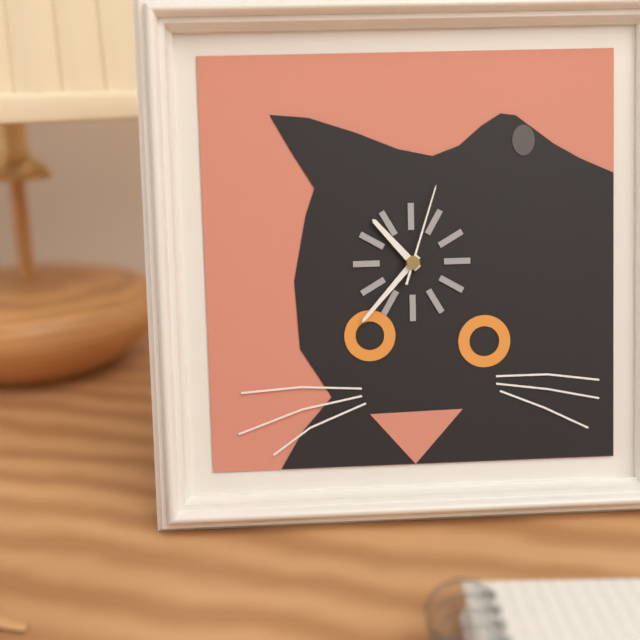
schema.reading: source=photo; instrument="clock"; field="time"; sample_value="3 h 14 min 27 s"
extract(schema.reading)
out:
10 h 37 min 03 s
